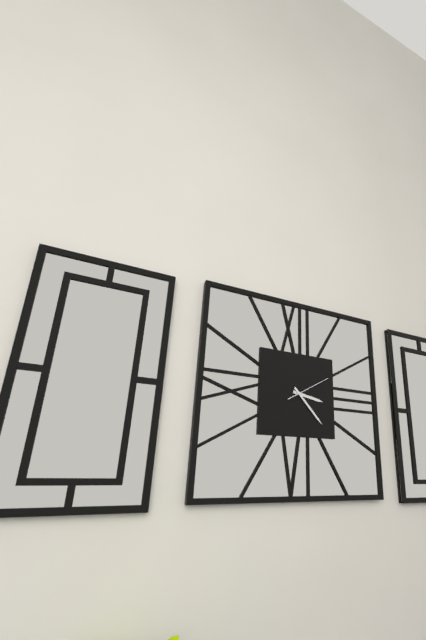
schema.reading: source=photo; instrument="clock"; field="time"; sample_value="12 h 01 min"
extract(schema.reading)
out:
3 h 23 min
